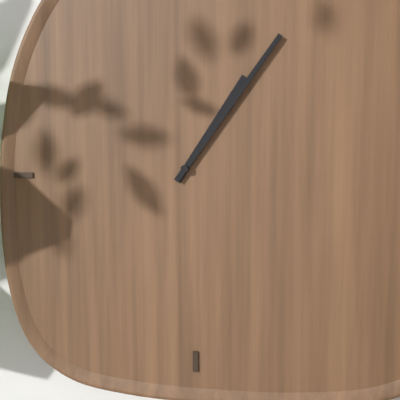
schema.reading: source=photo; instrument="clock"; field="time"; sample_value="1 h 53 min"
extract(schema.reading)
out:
1 h 06 min
